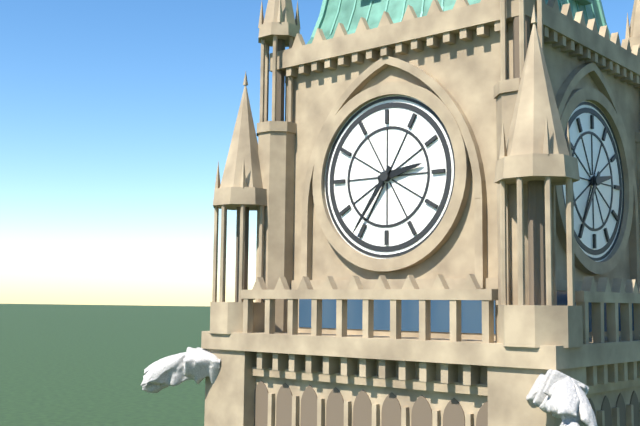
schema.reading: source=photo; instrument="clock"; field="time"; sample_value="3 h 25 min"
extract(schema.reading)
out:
2 h 36 min
